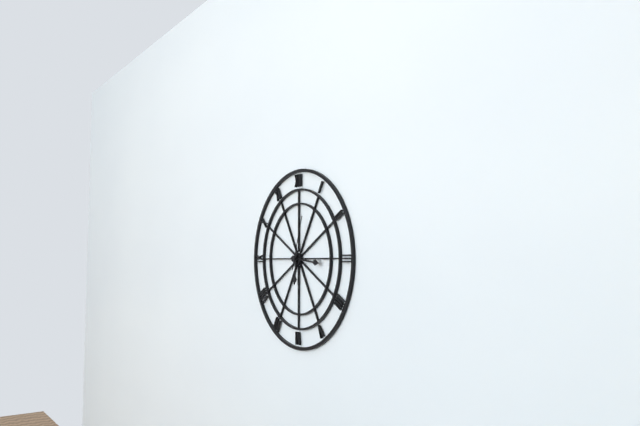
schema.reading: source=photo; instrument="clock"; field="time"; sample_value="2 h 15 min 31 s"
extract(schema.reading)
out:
6 h 16 min 03 s
